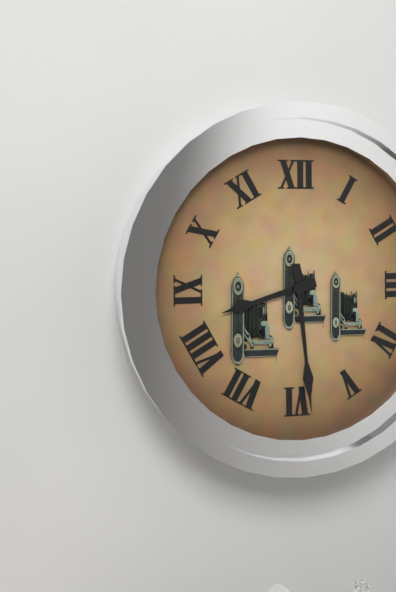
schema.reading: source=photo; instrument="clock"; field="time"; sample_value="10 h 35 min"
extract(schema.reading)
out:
8 h 29 min
